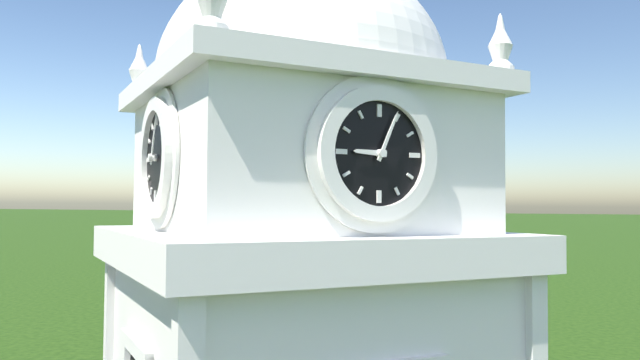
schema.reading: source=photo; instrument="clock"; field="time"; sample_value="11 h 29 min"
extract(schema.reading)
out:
9 h 04 min
